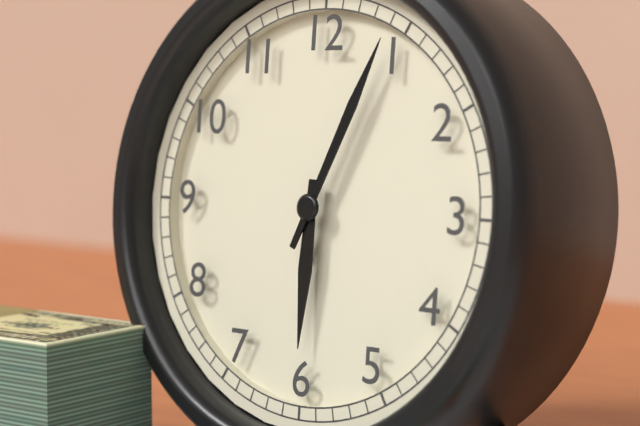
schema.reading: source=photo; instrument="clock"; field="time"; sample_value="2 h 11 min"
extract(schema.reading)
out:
6 h 04 min
